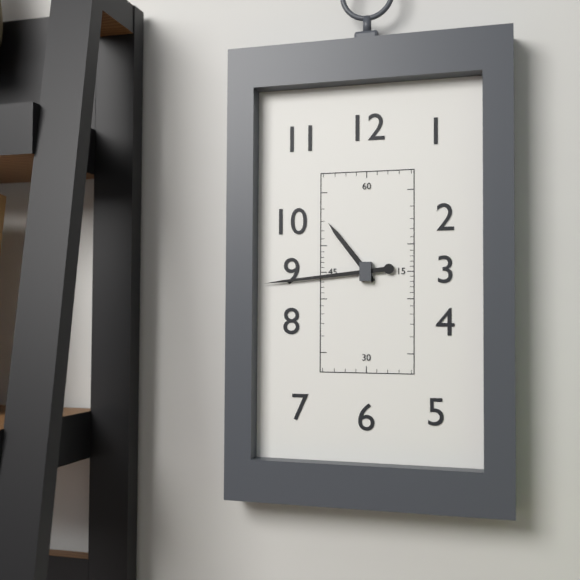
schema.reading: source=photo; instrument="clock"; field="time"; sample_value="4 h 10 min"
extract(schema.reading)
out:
10 h 44 min
